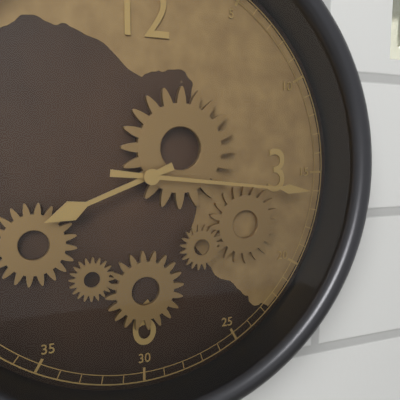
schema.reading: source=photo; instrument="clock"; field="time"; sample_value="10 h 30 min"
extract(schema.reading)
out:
8 h 16 min
